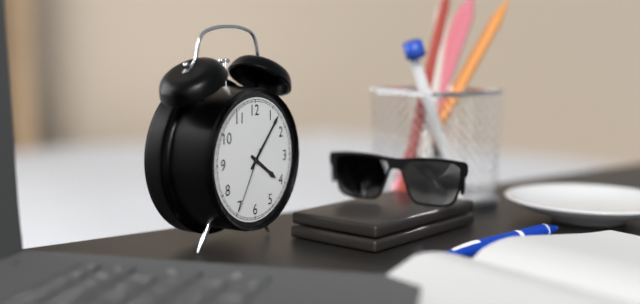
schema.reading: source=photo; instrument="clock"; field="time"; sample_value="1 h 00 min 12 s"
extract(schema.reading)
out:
4 h 07 min 35 s
